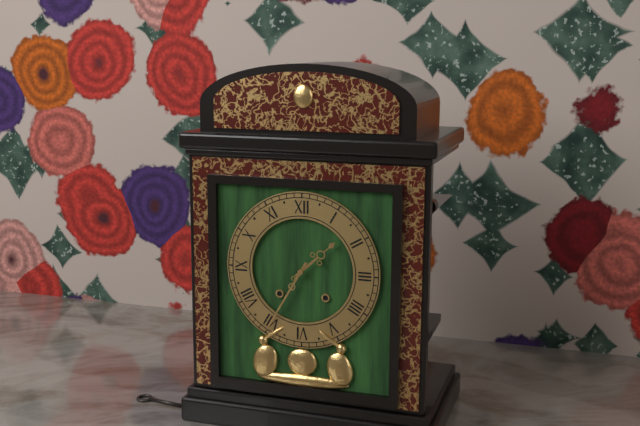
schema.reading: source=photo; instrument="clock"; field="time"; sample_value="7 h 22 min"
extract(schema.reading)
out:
1 h 35 min
